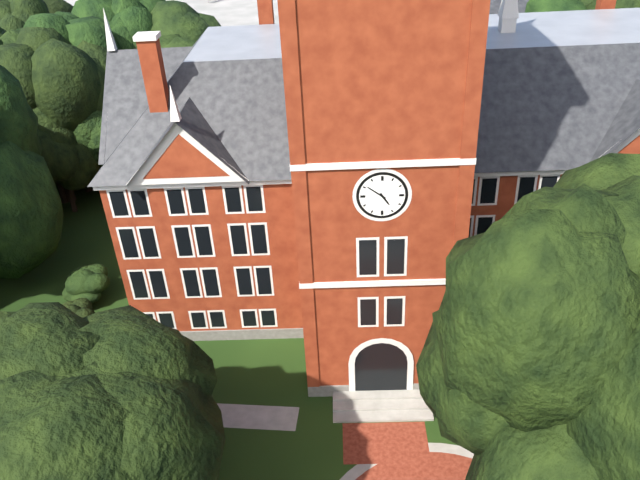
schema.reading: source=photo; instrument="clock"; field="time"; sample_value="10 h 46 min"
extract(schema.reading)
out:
4 h 51 min
